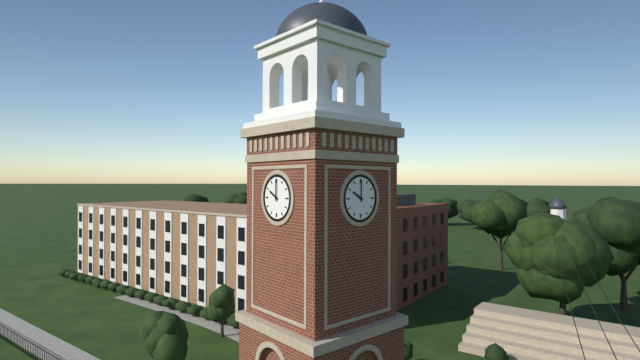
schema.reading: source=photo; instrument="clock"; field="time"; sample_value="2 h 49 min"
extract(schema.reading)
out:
10 h 00 min
